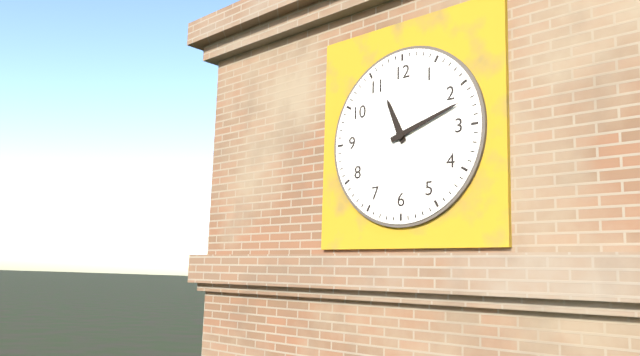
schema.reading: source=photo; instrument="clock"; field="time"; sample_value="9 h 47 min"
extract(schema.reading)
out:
11 h 12 min
